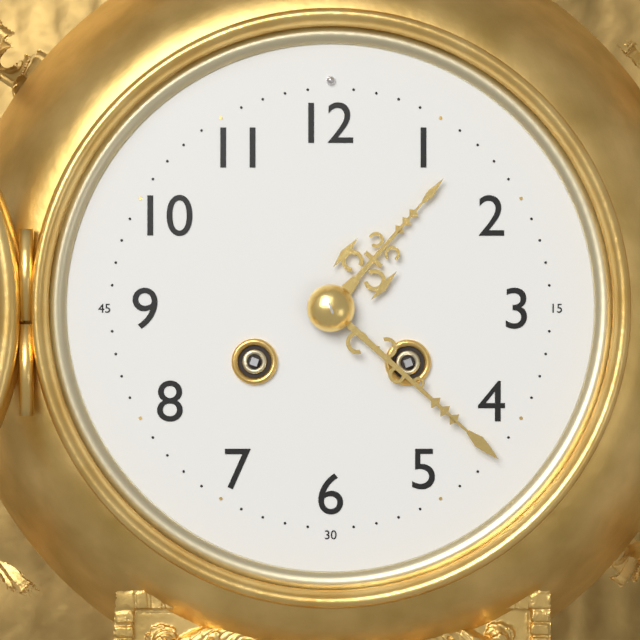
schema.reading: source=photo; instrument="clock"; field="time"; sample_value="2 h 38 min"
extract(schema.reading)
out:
1 h 22 min
